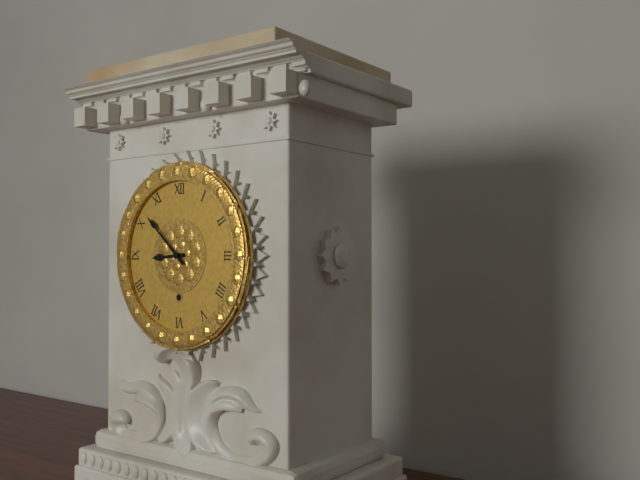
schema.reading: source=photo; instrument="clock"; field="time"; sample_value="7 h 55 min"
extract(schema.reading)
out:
8 h 52 min
